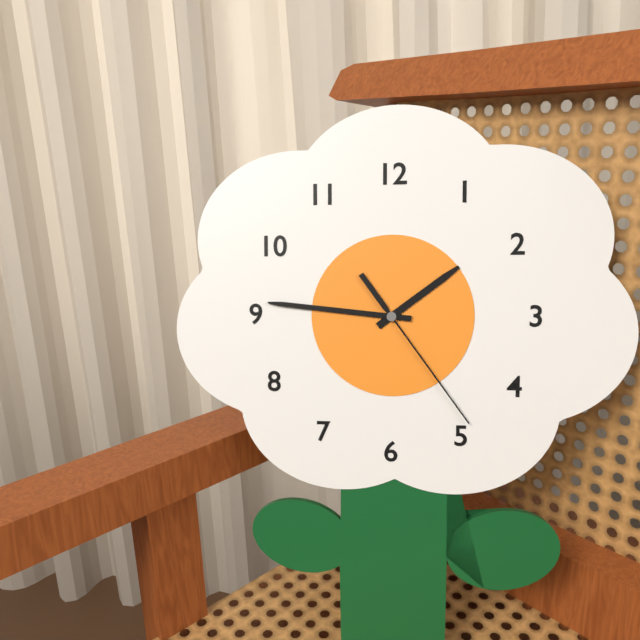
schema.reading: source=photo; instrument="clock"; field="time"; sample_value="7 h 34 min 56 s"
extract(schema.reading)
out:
1 h 46 min 24 s
